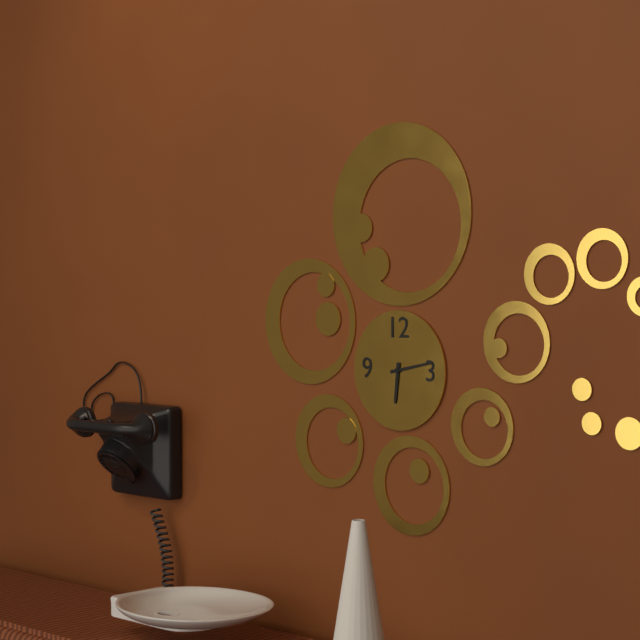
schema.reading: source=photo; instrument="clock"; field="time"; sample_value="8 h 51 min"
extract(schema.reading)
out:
6 h 13 min
